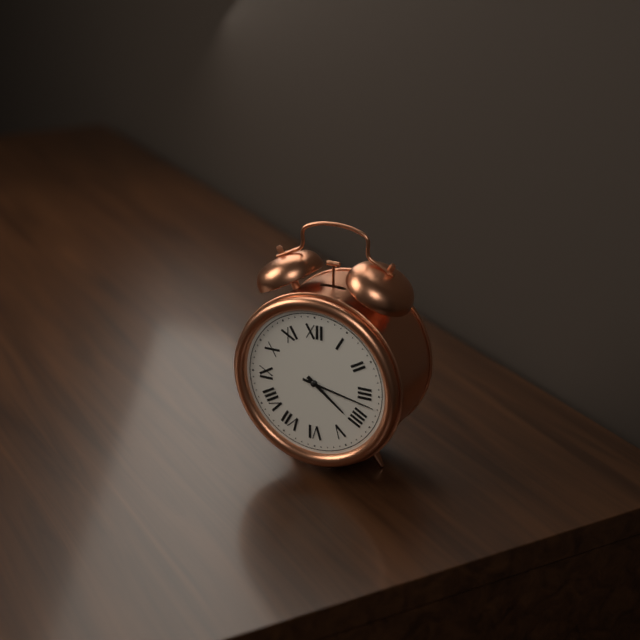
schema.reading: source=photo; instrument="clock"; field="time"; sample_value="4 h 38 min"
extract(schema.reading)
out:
4 h 17 min
